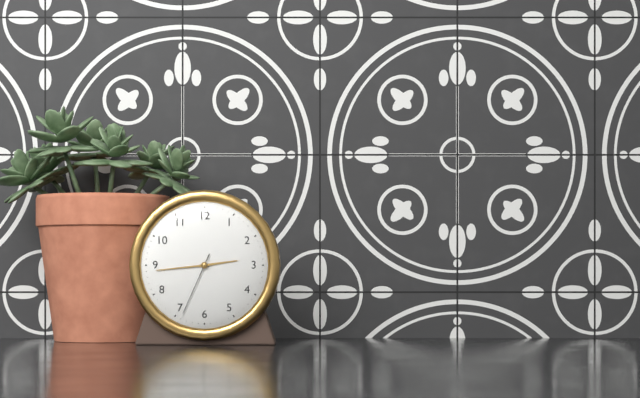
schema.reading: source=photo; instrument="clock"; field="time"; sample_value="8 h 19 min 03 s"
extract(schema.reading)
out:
2 h 44 min 34 s
